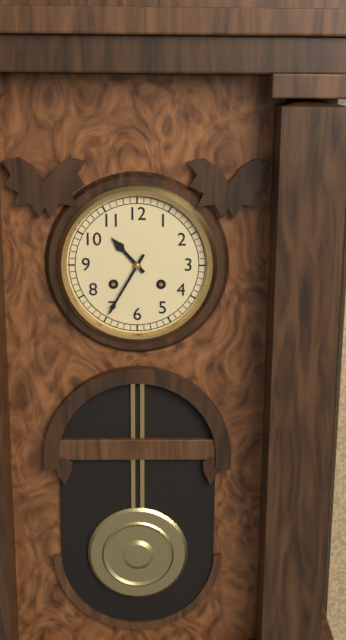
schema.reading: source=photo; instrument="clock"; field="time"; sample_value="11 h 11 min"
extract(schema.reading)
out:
10 h 35 min
